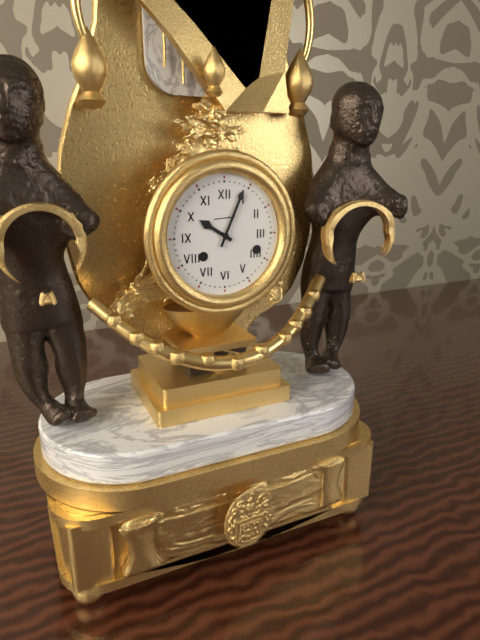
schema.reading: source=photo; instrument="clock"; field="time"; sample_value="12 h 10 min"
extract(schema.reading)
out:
10 h 04 min
